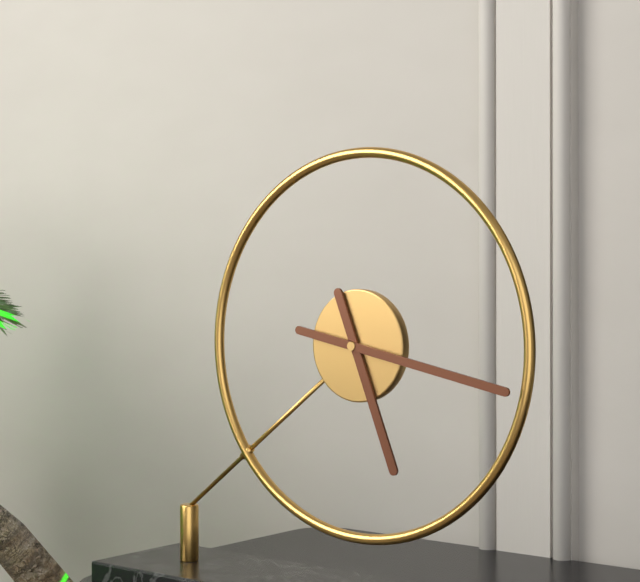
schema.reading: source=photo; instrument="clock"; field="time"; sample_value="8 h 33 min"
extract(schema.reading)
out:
5 h 17 min
